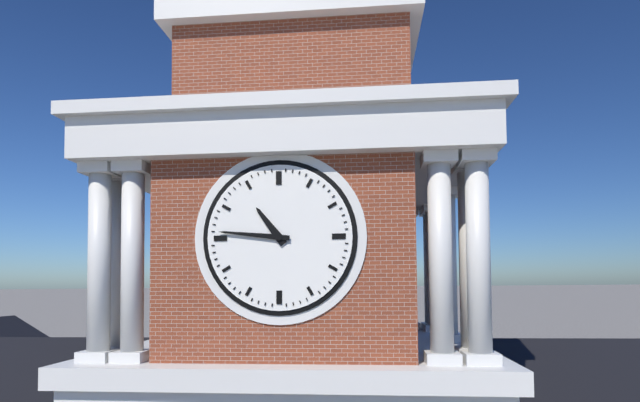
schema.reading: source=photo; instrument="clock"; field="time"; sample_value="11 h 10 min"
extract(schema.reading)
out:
10 h 46 min
